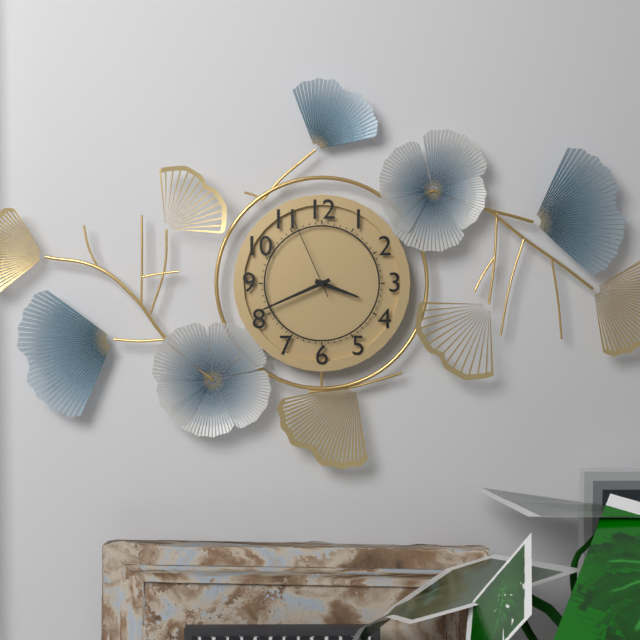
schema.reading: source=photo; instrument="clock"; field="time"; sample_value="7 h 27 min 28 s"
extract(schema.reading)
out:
3 h 41 min 56 s
